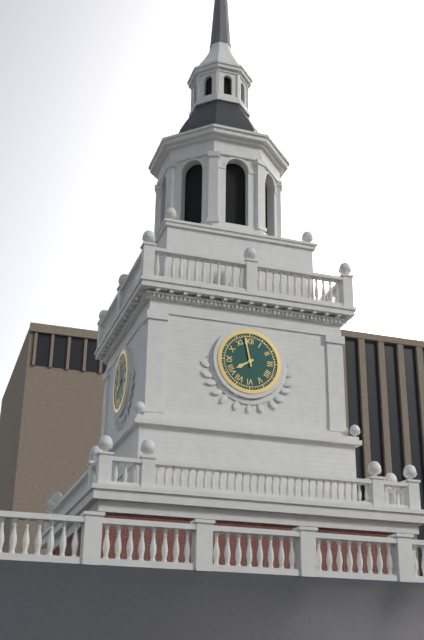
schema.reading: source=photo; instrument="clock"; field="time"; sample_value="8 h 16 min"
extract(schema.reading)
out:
7 h 58 min
